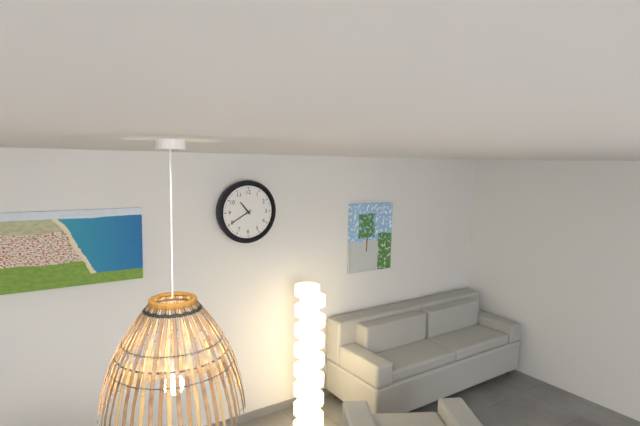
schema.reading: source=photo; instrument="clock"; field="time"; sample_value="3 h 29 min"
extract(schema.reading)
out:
10 h 40 min
